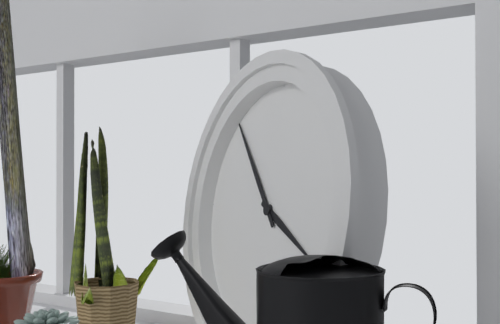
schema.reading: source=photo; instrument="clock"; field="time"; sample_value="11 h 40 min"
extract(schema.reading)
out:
3 h 53 min
